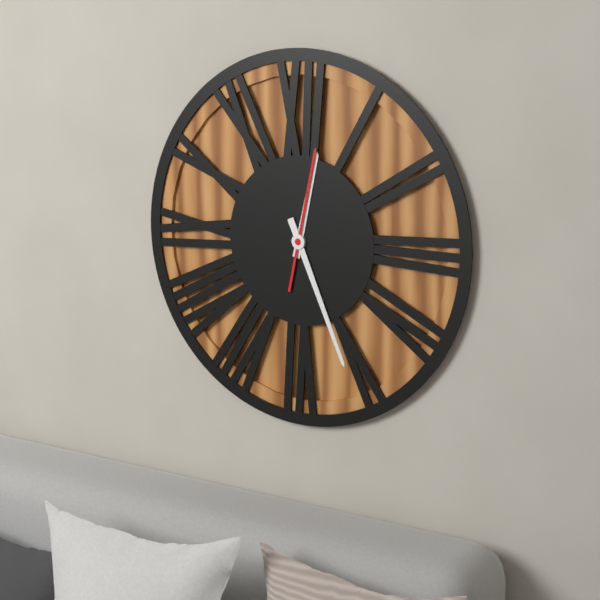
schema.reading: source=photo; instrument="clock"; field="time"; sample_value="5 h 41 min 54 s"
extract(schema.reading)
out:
12 h 26 min 02 s
